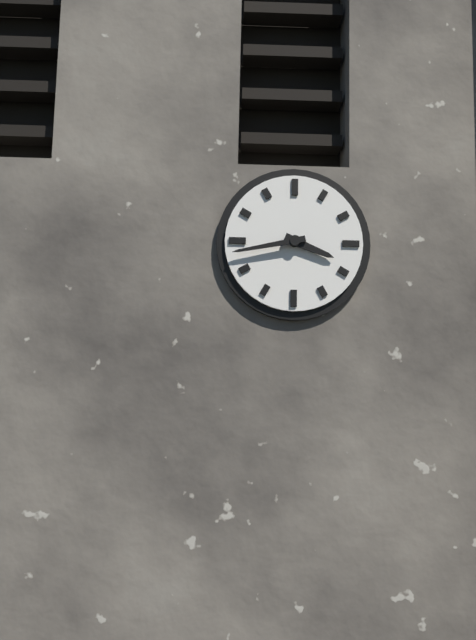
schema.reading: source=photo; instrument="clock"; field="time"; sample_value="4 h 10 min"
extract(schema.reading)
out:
3 h 43 min
